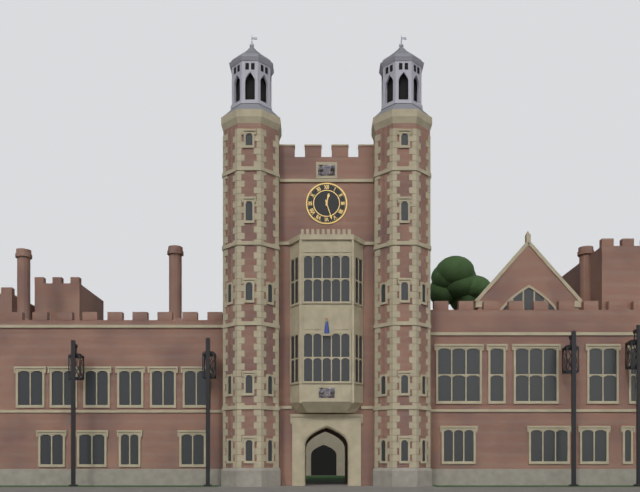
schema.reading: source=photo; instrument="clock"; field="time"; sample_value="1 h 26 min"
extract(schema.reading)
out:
12 h 27 min
